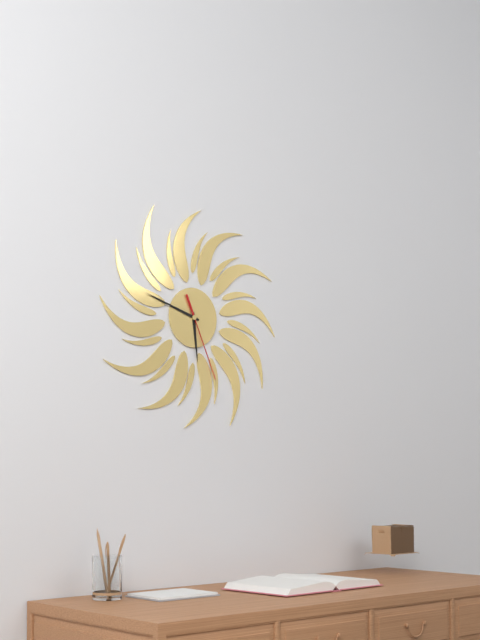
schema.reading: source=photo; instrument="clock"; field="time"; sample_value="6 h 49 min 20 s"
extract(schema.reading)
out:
5 h 48 min 26 s
